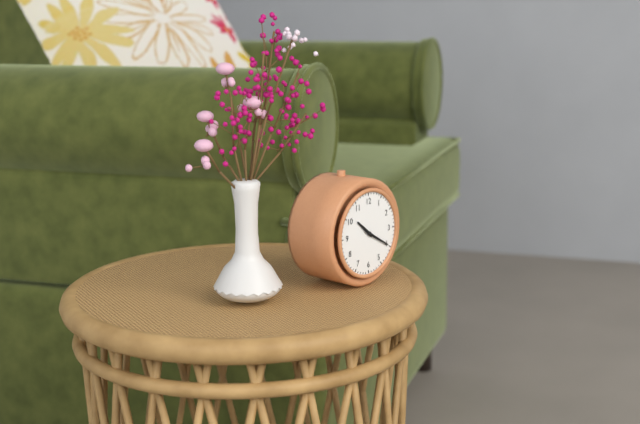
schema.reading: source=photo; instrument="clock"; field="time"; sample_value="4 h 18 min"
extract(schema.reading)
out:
10 h 20 min
